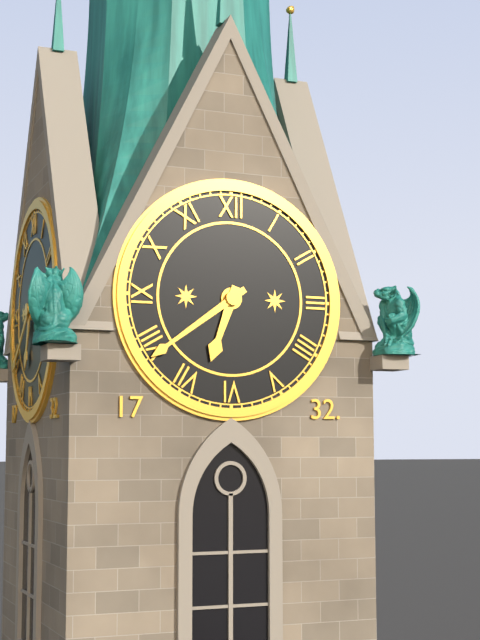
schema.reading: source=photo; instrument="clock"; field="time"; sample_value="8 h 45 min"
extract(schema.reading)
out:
6 h 39 min
